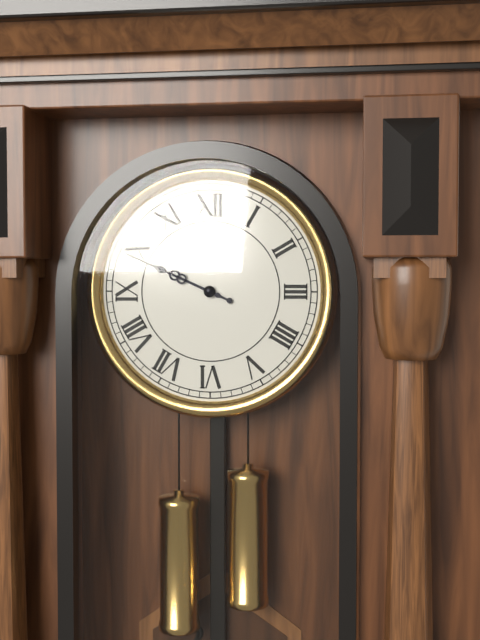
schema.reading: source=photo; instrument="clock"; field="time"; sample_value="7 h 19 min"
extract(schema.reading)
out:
9 h 49 min
